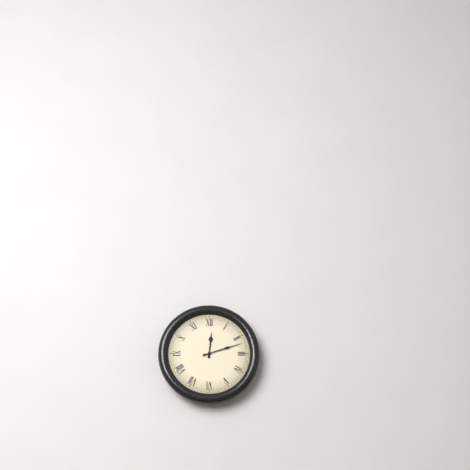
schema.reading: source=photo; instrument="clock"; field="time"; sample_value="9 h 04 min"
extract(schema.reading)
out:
12 h 12 min
